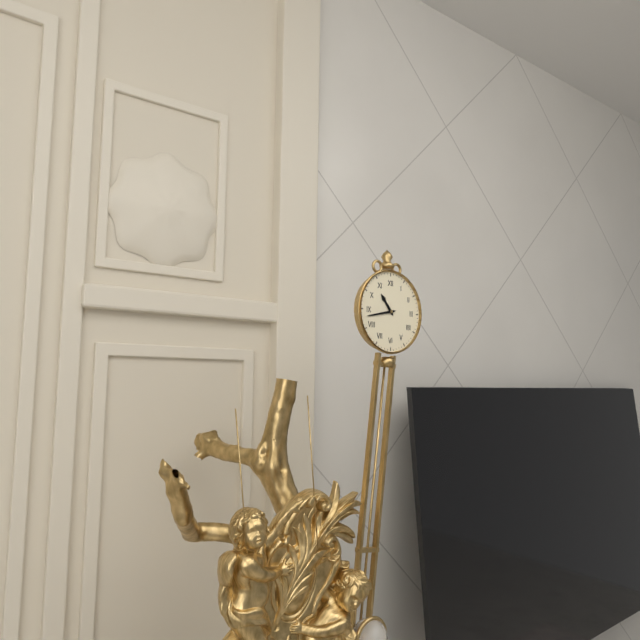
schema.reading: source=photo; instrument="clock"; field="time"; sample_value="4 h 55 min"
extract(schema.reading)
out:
10 h 43 min
